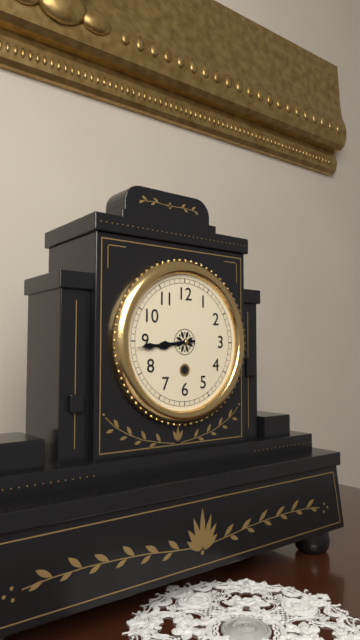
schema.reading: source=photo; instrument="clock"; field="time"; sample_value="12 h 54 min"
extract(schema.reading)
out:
8 h 44 min
